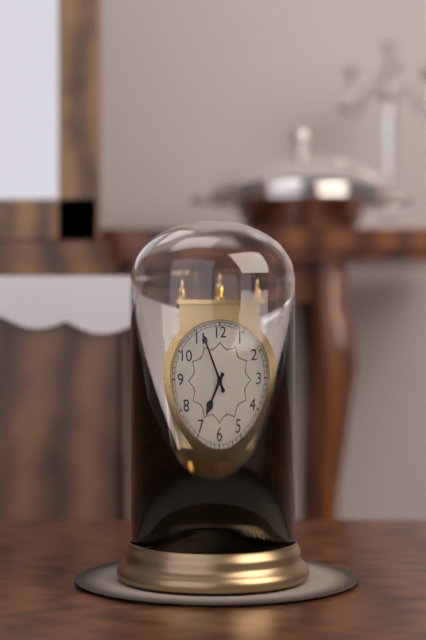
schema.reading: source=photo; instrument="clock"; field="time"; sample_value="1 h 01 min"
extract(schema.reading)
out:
6 h 56 min
